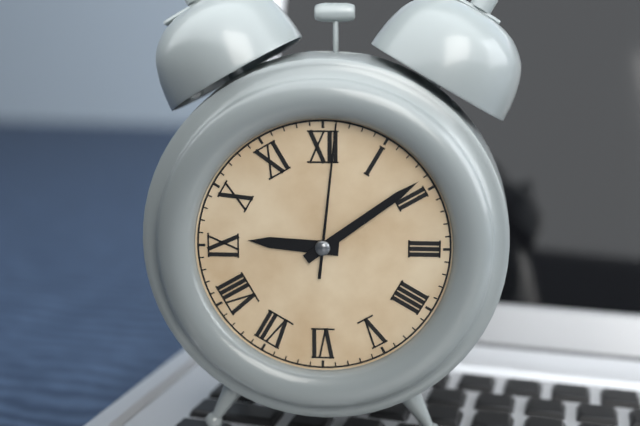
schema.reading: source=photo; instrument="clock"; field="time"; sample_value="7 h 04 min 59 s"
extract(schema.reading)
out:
9 h 09 min 01 s
